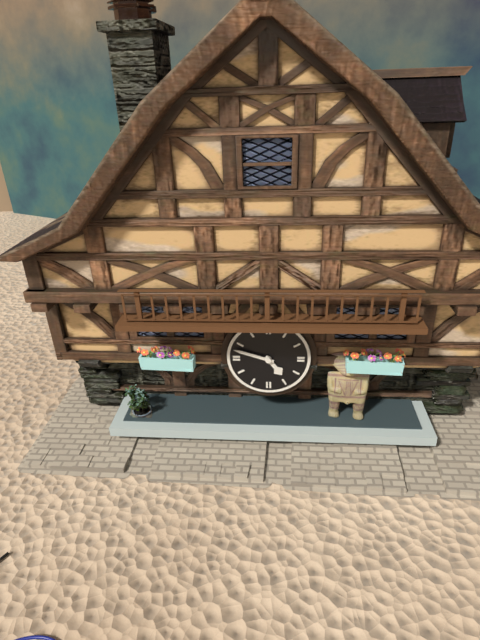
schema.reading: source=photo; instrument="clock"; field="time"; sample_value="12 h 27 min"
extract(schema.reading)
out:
4 h 48 min
